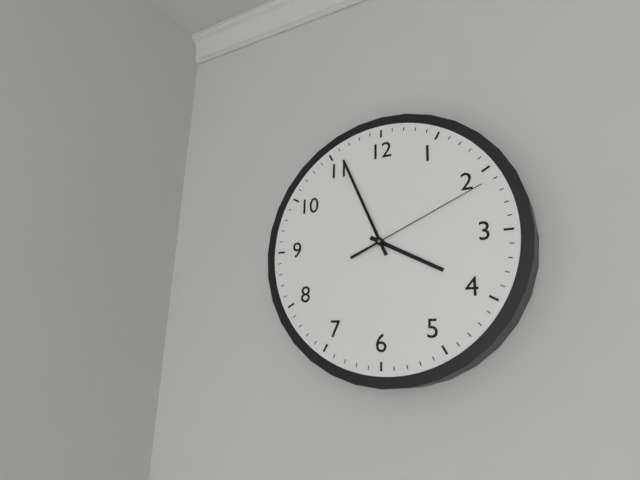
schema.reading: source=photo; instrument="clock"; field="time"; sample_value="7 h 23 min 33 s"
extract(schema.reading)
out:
3 h 56 min 11 s
